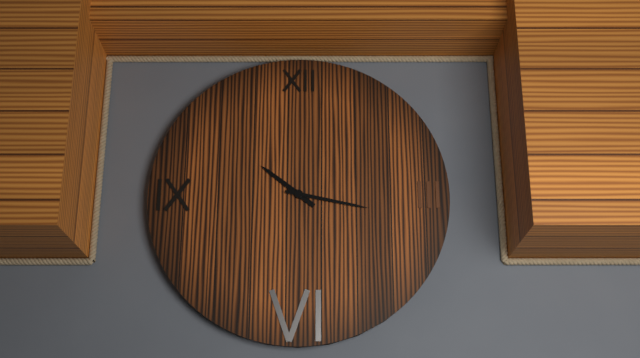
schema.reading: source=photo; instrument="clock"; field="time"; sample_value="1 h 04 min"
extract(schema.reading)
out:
10 h 17 min
